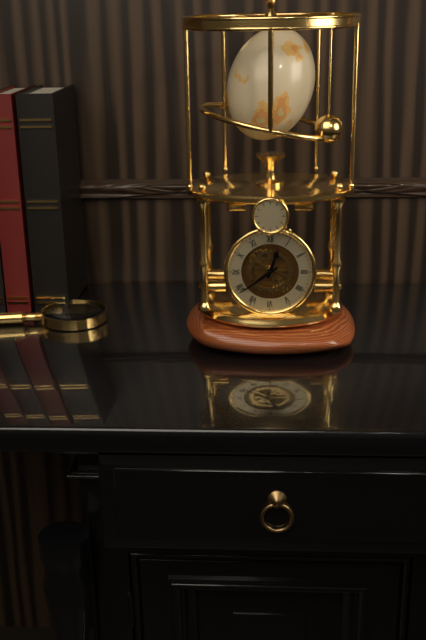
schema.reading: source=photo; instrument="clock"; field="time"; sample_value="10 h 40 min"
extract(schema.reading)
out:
12 h 39 min
